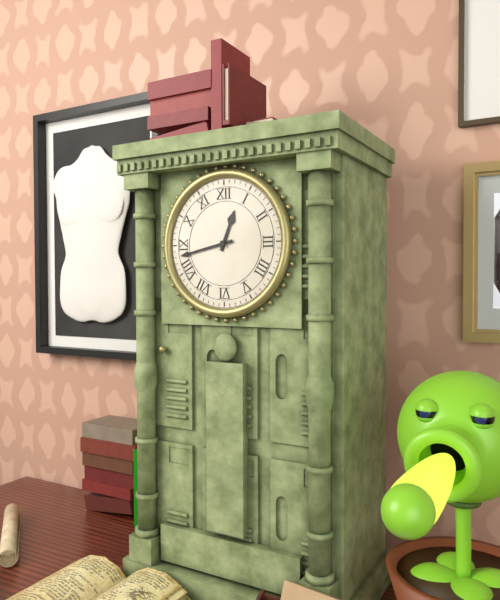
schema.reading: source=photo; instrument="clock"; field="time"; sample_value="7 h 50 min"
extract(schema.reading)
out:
12 h 43 min
